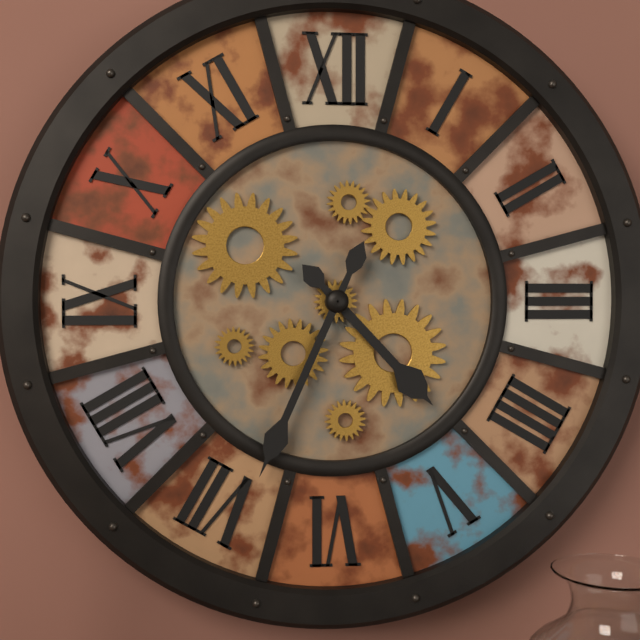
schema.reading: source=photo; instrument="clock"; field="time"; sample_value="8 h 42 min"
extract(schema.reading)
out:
4 h 34 min
